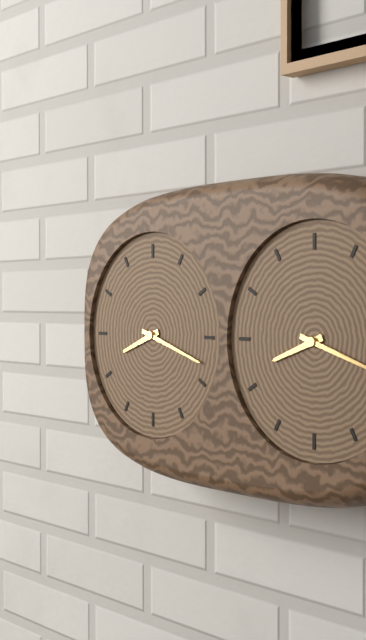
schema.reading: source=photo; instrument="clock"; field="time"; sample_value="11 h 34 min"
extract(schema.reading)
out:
8 h 18 min
